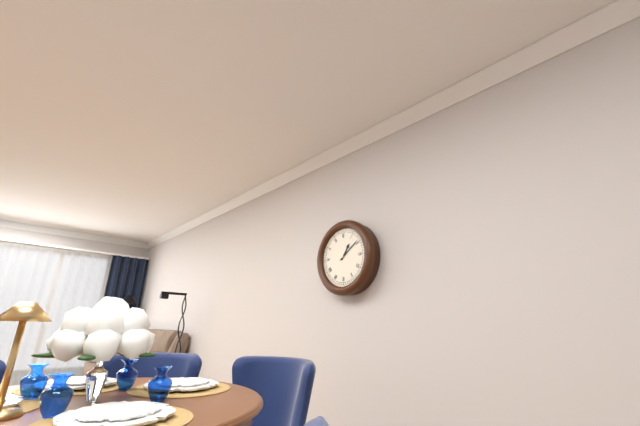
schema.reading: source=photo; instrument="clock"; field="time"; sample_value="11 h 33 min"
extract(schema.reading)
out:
1 h 09 min
